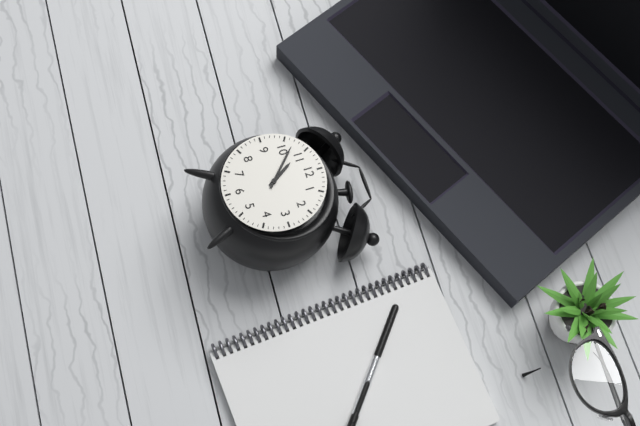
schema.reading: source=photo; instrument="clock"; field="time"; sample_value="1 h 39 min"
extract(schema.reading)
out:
10 h 52 min
